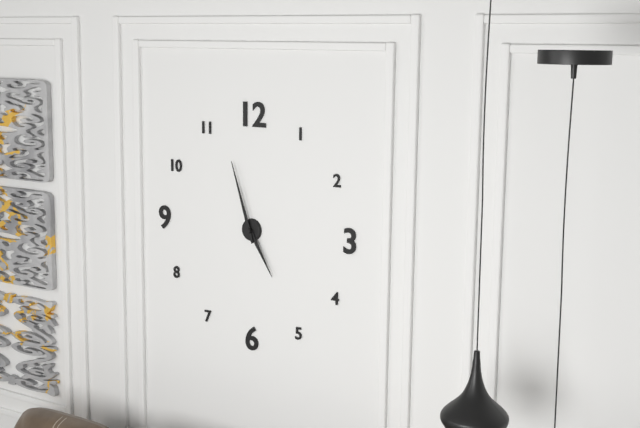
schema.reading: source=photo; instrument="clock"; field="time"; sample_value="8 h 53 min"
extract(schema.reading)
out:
4 h 57 min
